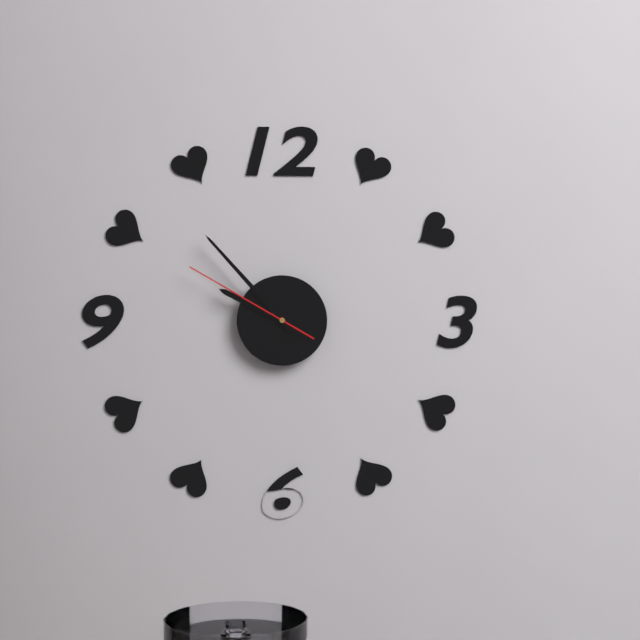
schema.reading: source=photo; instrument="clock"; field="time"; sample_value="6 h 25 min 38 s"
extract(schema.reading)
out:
9 h 53 min 50 s
